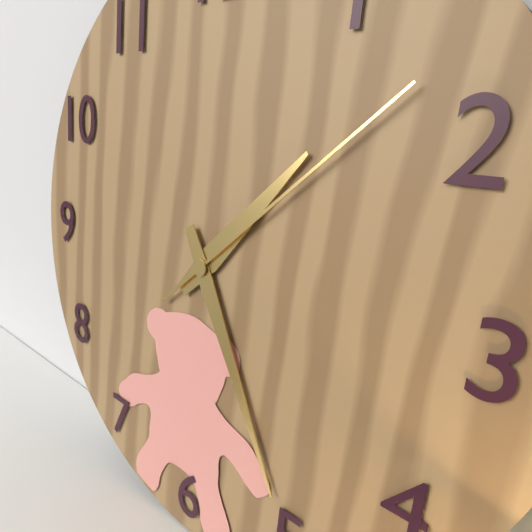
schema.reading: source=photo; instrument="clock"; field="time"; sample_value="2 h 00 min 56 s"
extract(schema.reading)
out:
1 h 25 min 08 s
